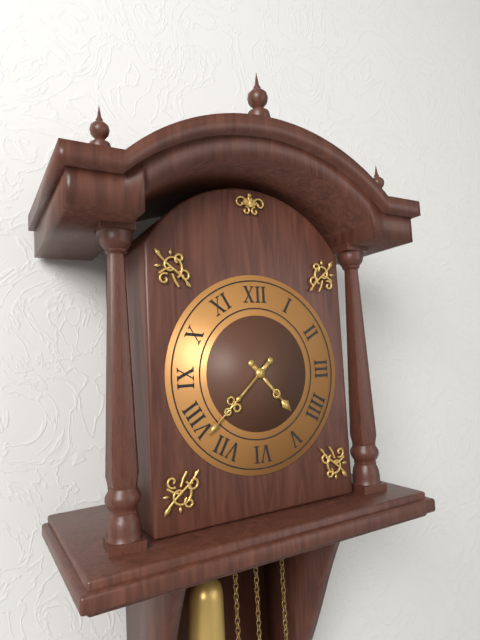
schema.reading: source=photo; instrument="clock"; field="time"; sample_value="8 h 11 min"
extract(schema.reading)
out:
4 h 38 min
